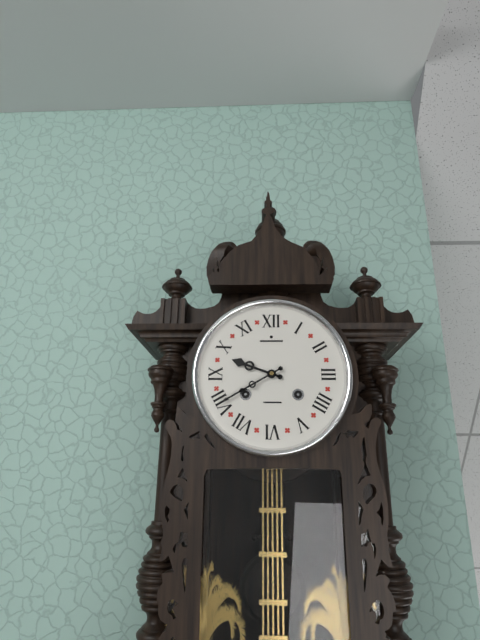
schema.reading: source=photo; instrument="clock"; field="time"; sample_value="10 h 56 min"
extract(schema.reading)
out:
9 h 40 min
